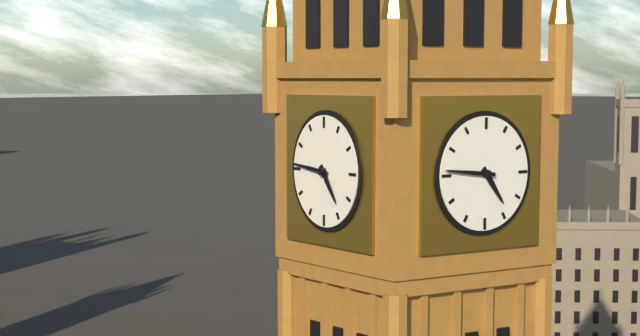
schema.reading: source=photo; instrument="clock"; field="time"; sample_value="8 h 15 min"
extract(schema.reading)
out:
4 h 46 min
